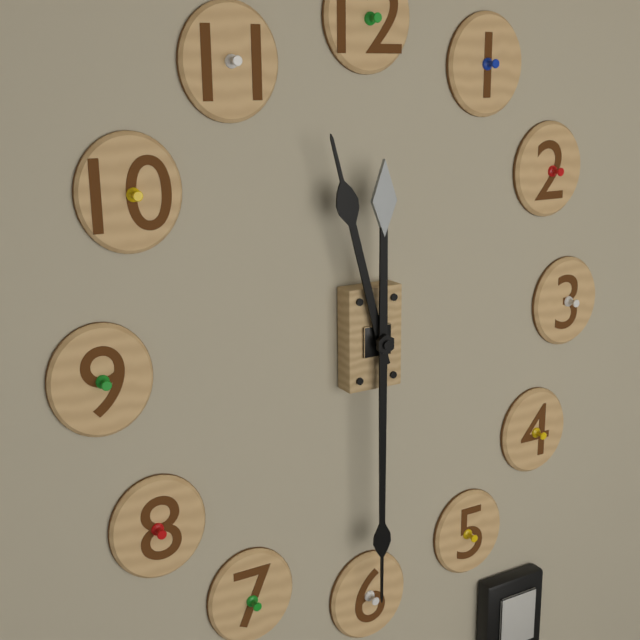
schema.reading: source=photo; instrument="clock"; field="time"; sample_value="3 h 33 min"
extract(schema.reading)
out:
11 h 30 min
